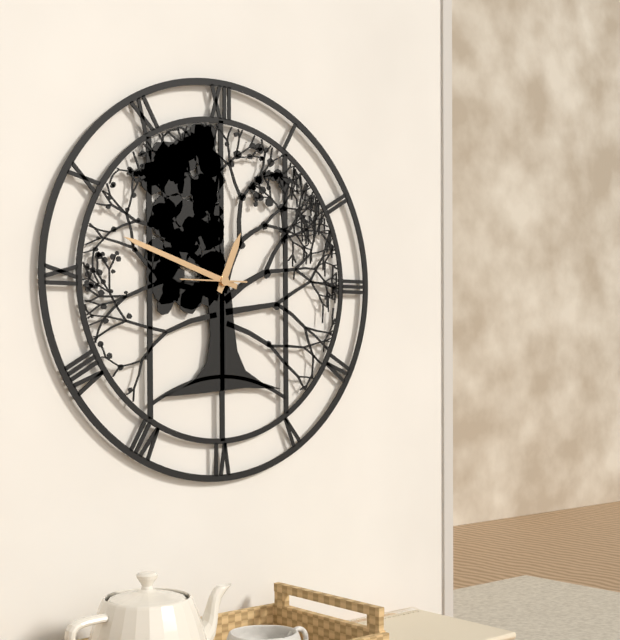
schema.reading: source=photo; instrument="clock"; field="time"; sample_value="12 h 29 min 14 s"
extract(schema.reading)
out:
12 h 48 min 45 s
